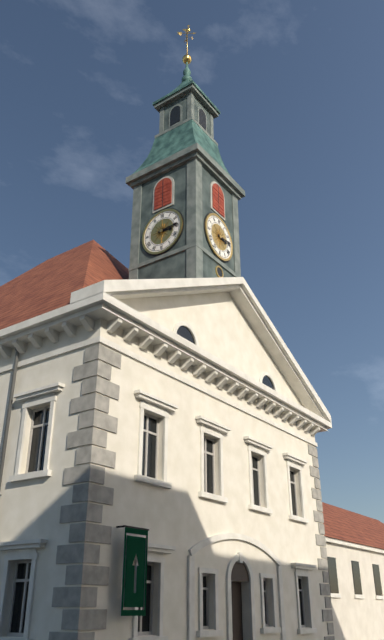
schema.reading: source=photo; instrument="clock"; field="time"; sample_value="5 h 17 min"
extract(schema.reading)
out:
3 h 14 min
